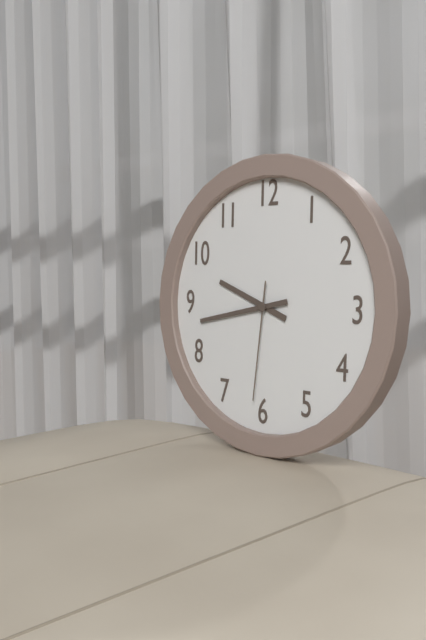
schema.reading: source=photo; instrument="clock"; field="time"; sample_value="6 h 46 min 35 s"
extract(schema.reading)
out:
9 h 43 min 31 s
